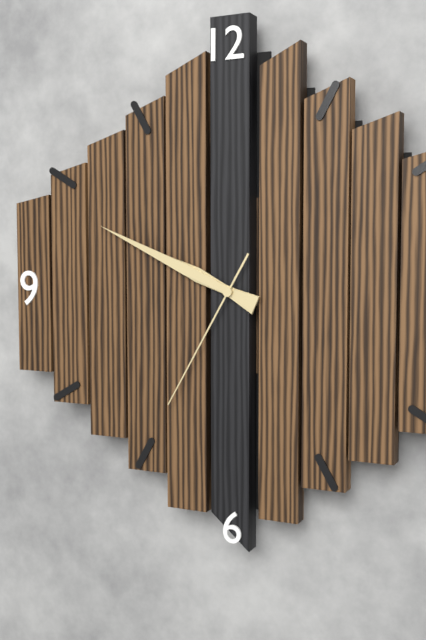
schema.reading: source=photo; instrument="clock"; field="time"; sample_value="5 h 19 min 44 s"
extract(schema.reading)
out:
9 h 49 min 35 s
